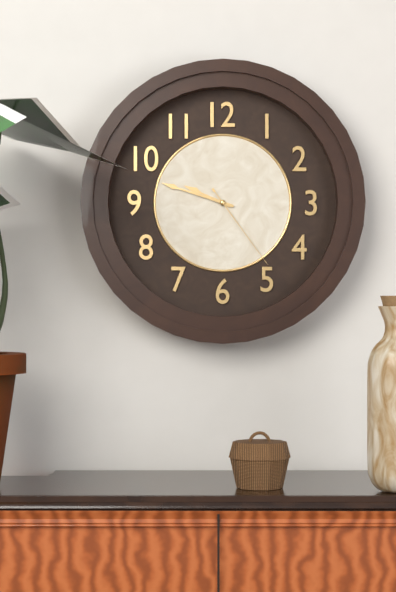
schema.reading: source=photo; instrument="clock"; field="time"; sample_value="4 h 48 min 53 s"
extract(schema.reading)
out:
9 h 48 min 24 s
